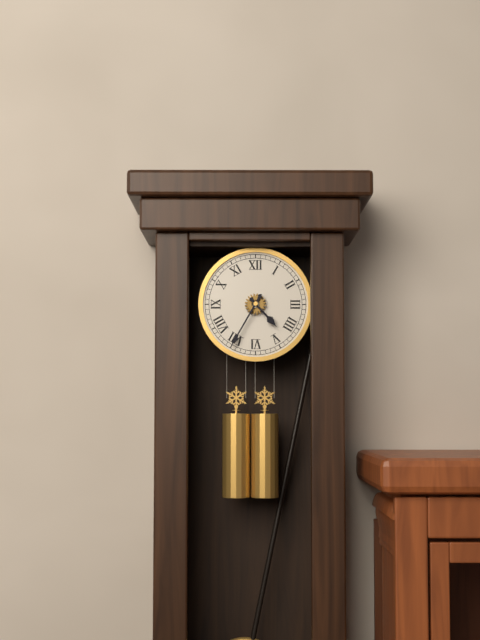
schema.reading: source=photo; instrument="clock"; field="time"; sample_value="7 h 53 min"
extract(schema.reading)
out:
4 h 35 min
